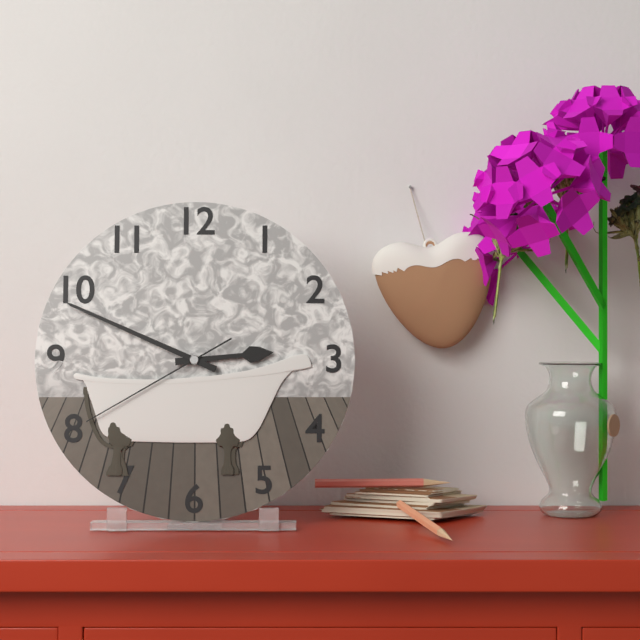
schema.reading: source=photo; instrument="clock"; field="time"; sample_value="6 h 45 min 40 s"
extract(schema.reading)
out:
2 h 49 min 40 s
